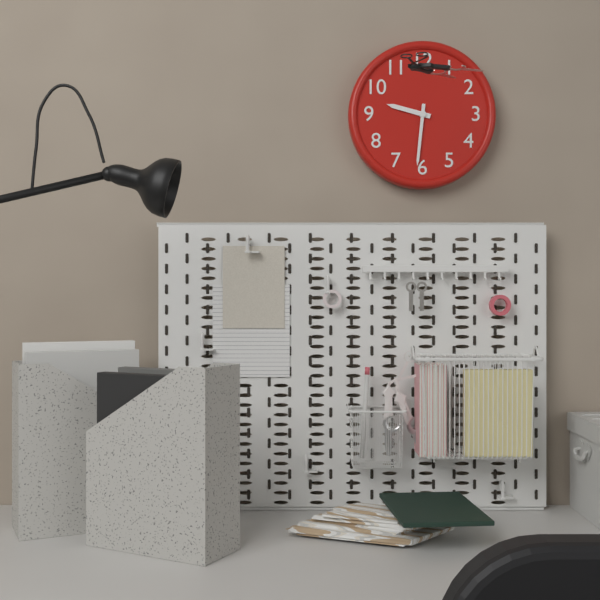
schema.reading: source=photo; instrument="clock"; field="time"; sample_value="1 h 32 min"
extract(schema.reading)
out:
9 h 31 min
